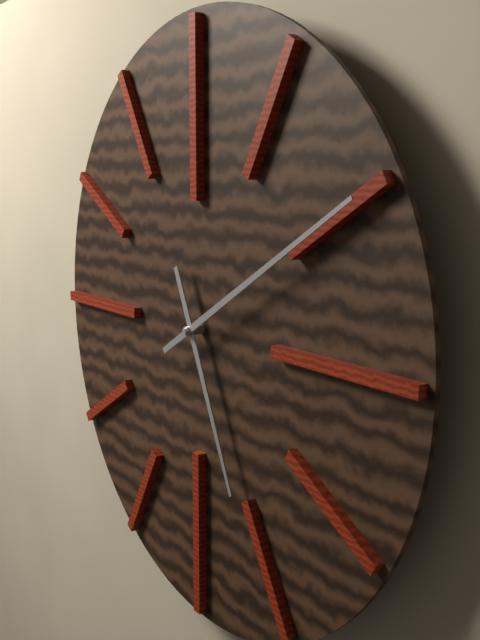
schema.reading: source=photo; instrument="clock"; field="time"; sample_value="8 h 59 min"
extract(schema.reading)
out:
5 h 10 min
